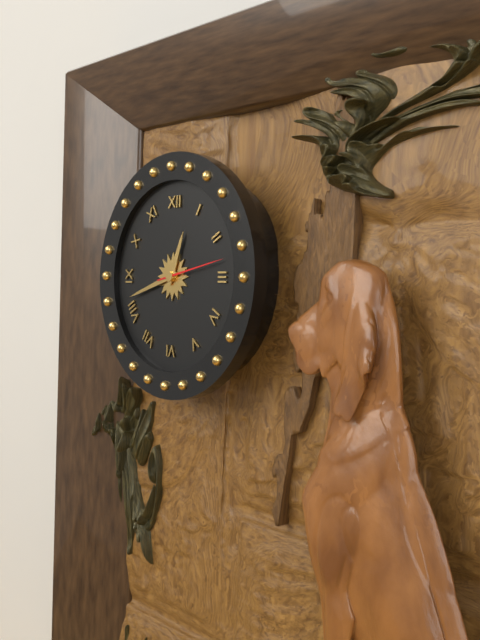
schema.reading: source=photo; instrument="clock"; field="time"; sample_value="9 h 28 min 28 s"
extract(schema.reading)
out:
12 h 42 min 13 s
